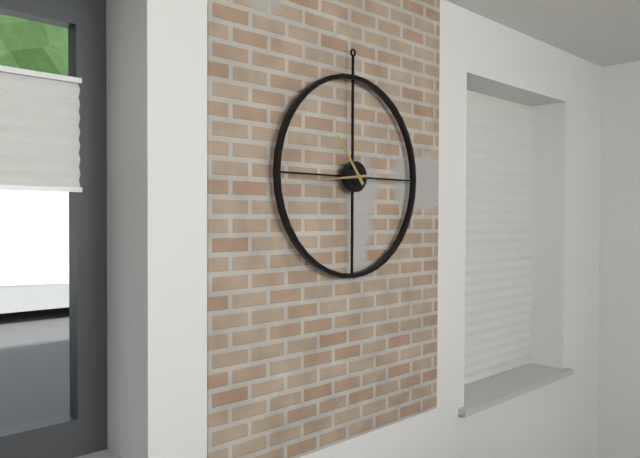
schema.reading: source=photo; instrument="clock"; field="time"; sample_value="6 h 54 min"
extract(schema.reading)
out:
10 h 44 min
